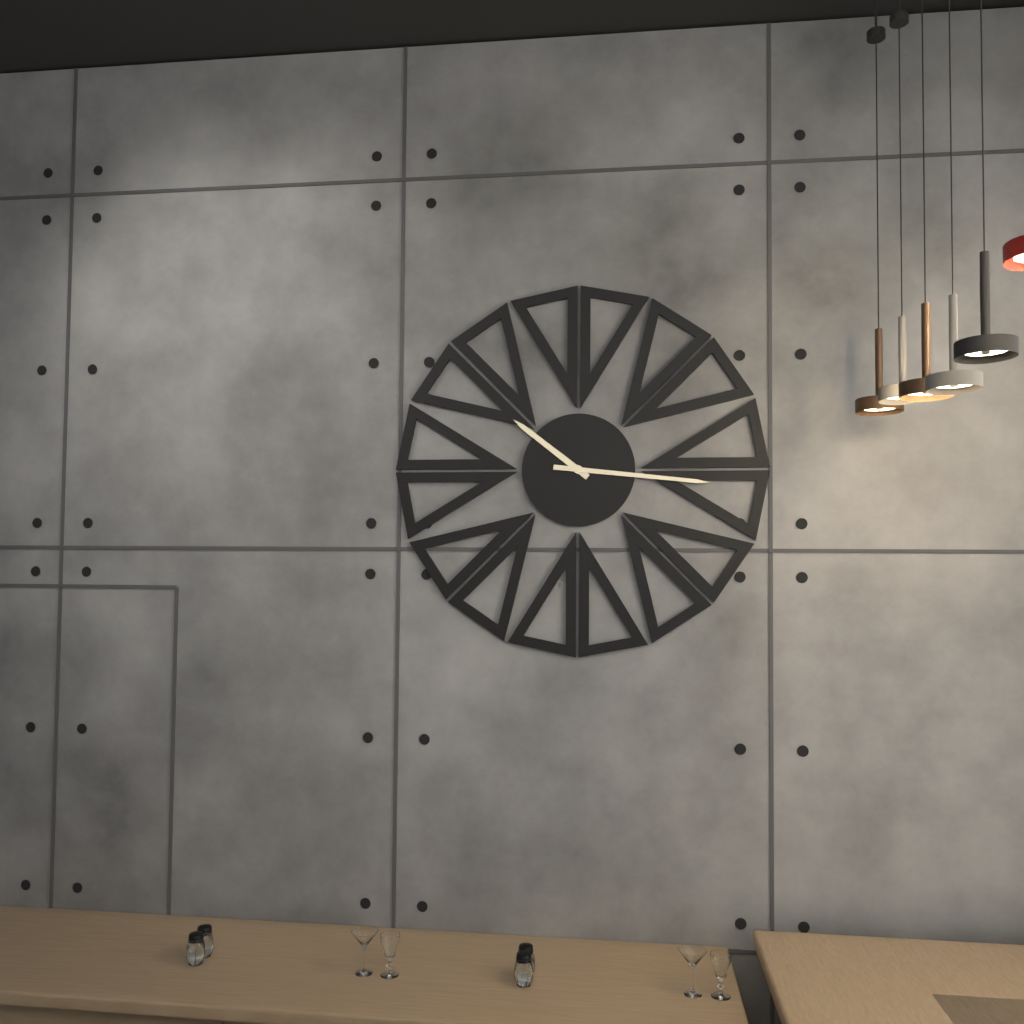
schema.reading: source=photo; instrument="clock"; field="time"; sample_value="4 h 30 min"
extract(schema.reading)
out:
10 h 16 min
